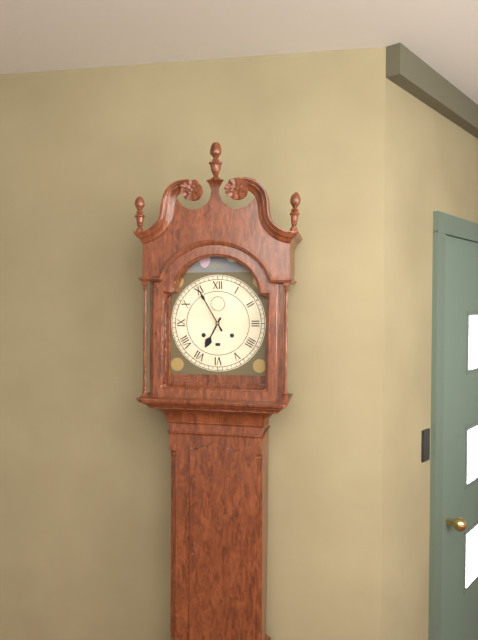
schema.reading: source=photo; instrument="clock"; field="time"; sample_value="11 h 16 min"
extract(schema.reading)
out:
6 h 55 min
